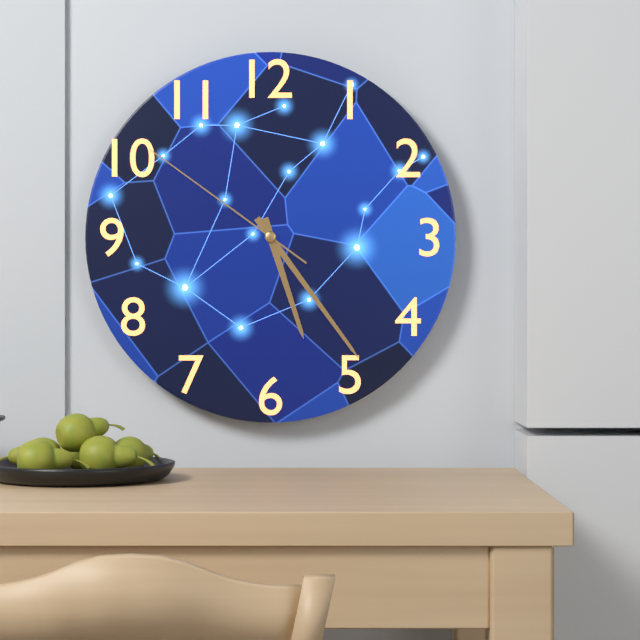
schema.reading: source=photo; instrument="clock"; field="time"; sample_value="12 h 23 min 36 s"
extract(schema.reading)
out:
5 h 24 min 51 s
